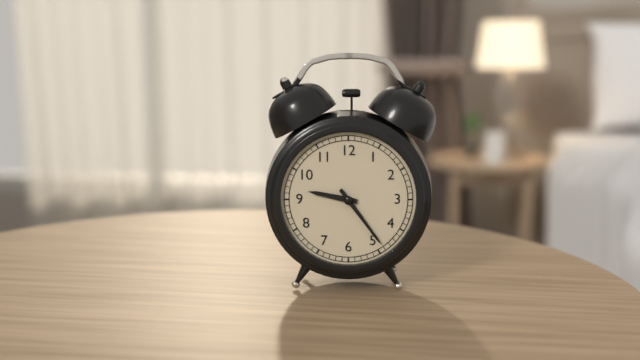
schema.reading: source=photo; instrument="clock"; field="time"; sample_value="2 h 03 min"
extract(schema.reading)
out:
9 h 24 min
